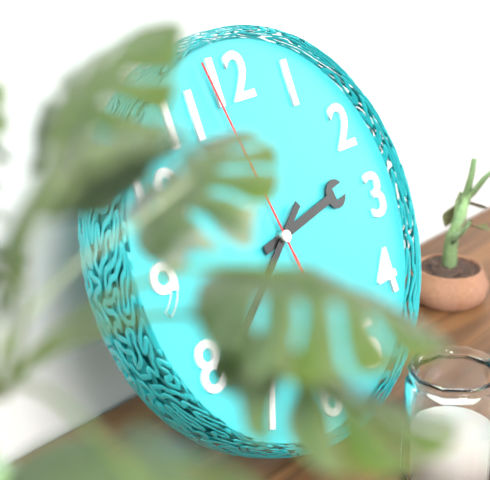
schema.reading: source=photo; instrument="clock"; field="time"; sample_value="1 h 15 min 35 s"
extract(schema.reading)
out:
2 h 39 min 58 s
